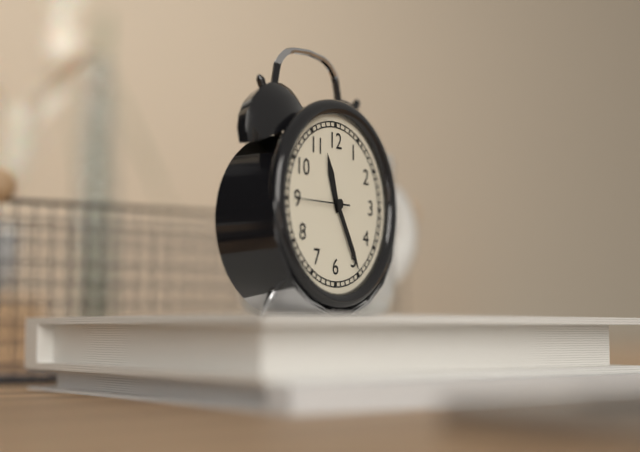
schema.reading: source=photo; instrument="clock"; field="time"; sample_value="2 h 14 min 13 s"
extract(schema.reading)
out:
11 h 25 min 45 s
